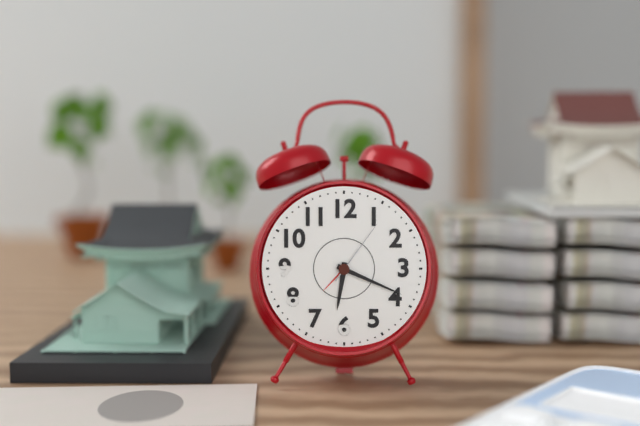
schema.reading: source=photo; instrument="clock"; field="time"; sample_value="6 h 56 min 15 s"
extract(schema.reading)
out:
6 h 19 min 06 s
